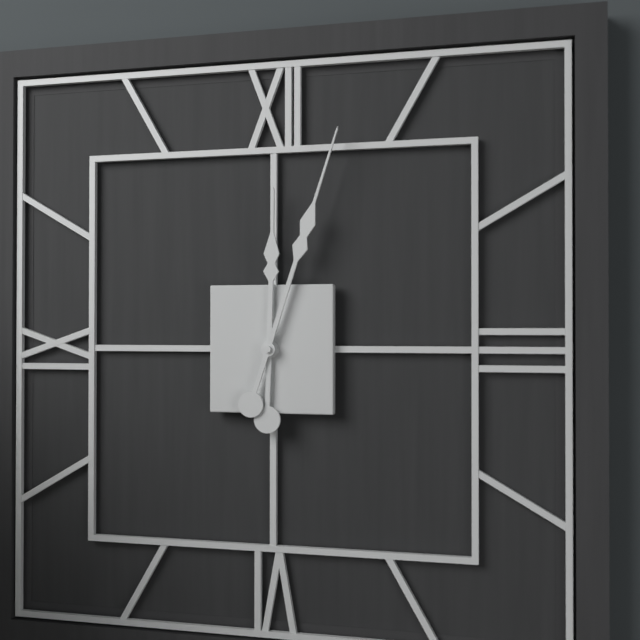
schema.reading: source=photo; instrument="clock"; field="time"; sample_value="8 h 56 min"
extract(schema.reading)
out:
12 h 03 min
